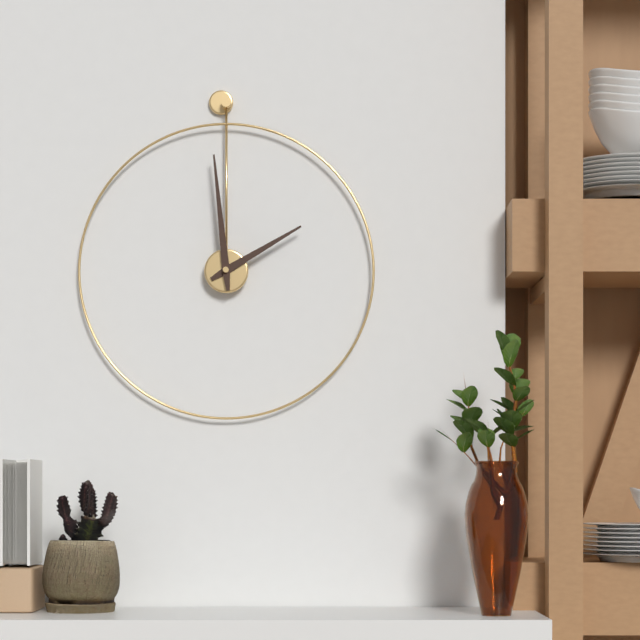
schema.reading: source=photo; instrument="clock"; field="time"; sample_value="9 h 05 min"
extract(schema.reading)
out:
1 h 59 min
